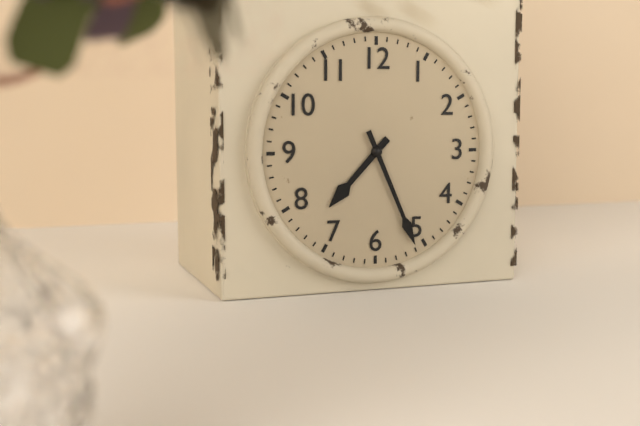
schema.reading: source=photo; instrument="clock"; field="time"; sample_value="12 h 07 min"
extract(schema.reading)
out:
7 h 26 min
